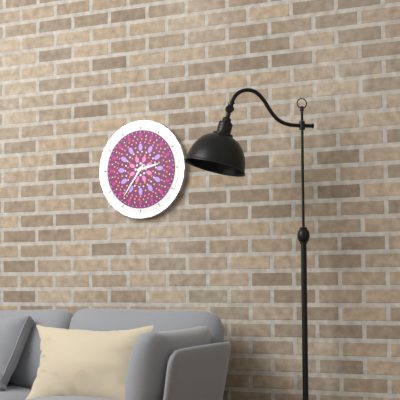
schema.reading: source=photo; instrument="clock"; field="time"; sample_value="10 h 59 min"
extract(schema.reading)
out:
2 h 36 min
